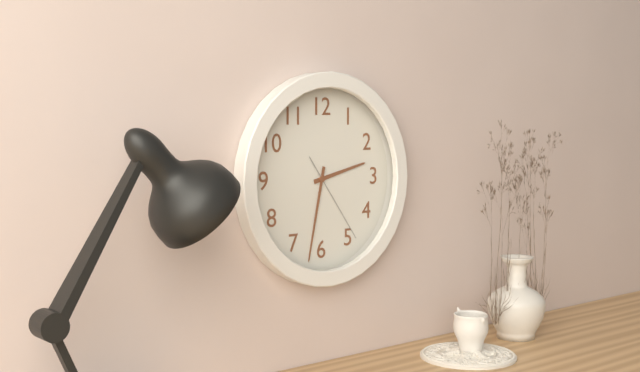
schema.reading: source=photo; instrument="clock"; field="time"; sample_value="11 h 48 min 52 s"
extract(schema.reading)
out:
2 h 32 min 24 s
